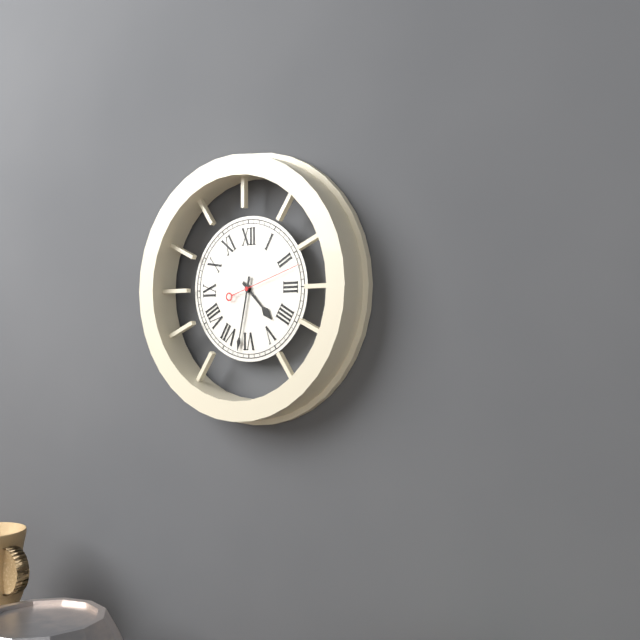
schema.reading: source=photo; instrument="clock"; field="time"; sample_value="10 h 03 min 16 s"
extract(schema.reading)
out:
4 h 32 min 12 s
